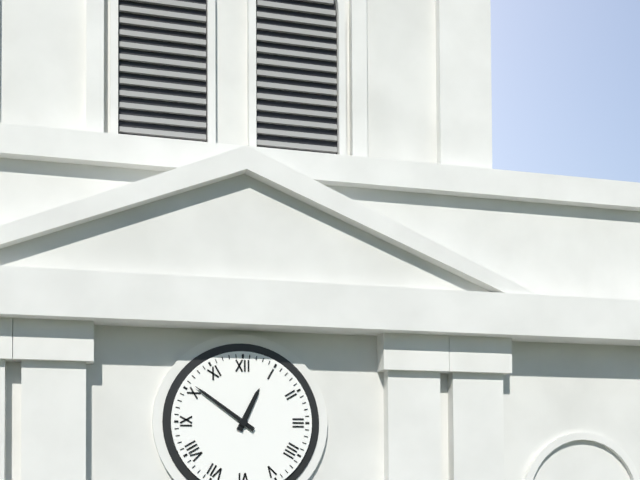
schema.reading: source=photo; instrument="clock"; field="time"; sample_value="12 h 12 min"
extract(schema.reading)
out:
12 h 51 min
